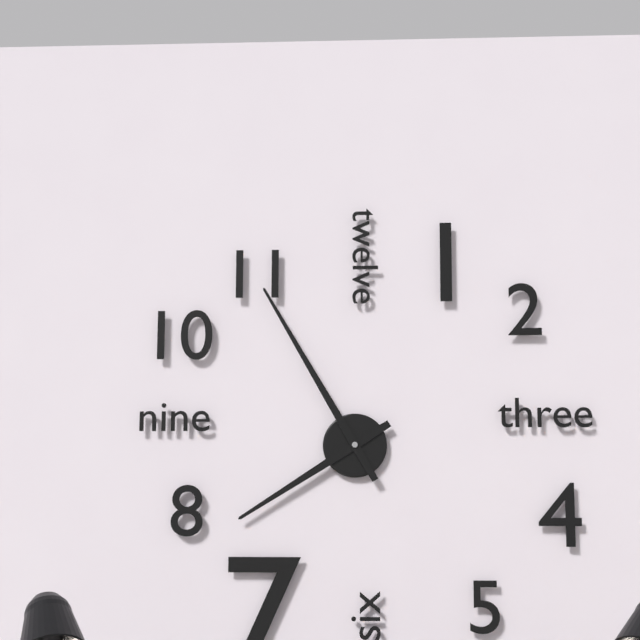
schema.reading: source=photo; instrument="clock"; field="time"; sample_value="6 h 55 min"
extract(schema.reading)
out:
7 h 55 min
